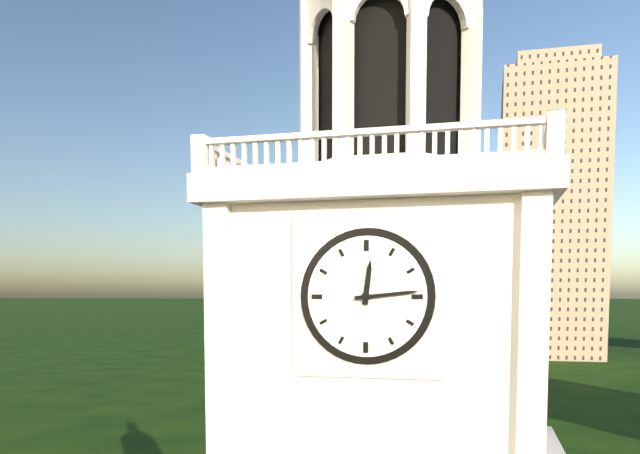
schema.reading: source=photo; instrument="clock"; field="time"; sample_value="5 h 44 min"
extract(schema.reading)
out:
12 h 14 min
